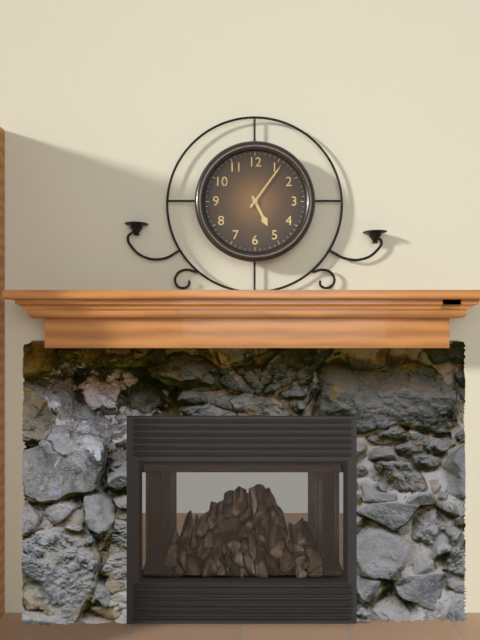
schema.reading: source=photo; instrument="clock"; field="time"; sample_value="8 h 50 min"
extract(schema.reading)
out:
5 h 06 min
